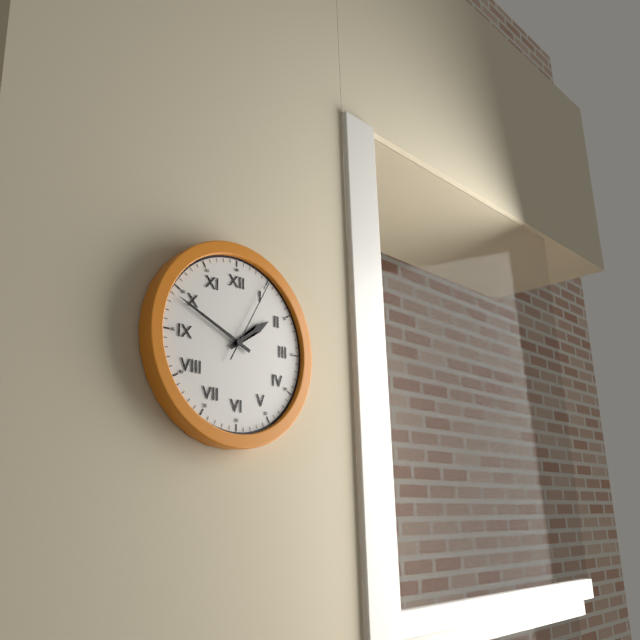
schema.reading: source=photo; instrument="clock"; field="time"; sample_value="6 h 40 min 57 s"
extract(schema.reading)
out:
1 h 49 min 05 s
